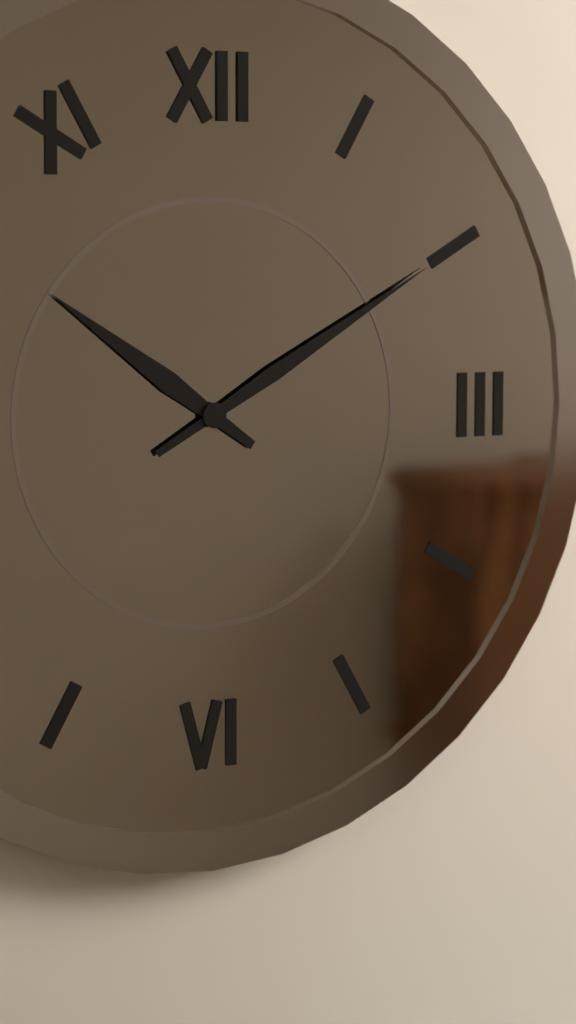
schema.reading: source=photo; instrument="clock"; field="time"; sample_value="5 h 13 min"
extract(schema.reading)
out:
10 h 10 min
